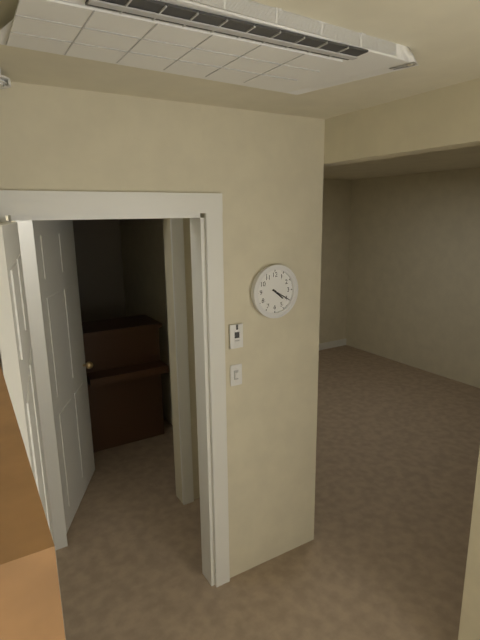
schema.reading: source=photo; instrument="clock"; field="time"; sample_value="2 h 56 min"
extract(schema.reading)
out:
4 h 20 min
